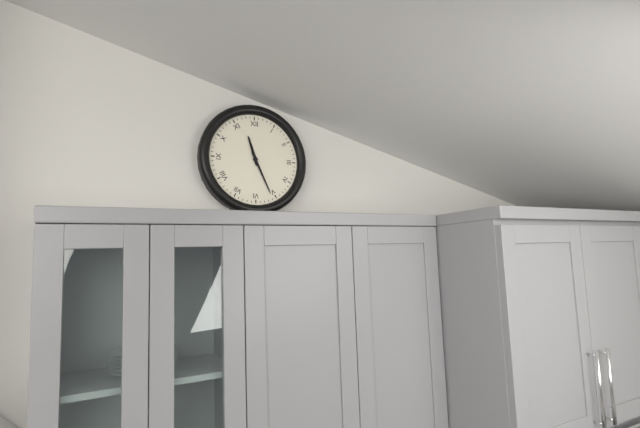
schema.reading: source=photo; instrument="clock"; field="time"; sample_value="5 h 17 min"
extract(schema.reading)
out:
11 h 26 min
